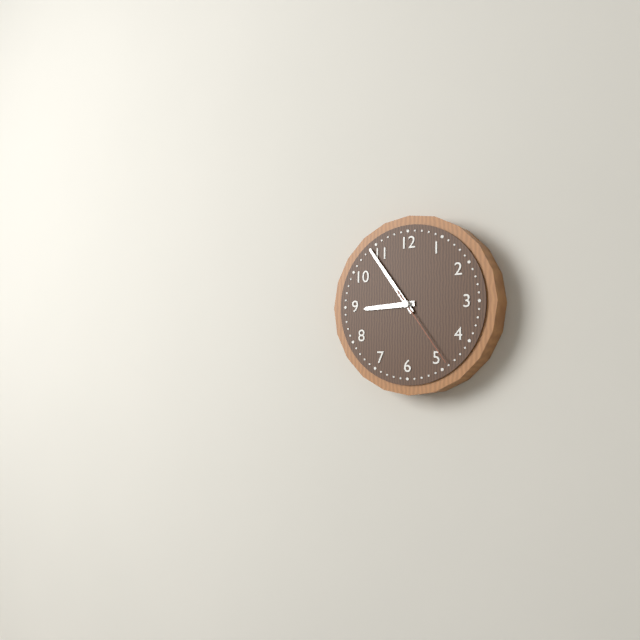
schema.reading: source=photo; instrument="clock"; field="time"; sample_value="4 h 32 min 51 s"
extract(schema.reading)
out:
8 h 54 min 24 s
